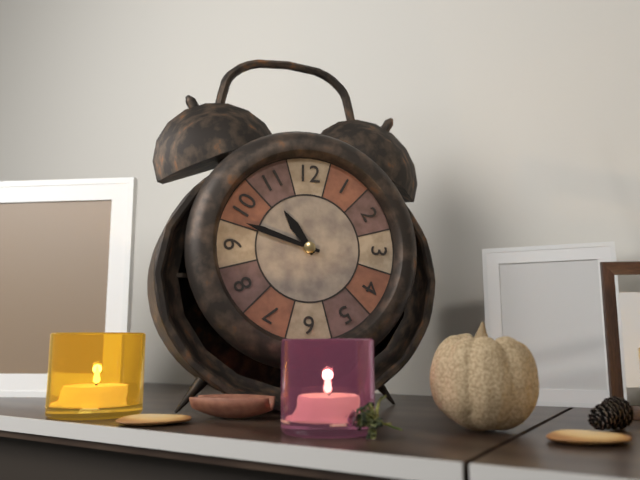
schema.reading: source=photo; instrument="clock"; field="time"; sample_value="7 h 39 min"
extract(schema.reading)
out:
10 h 48 min
